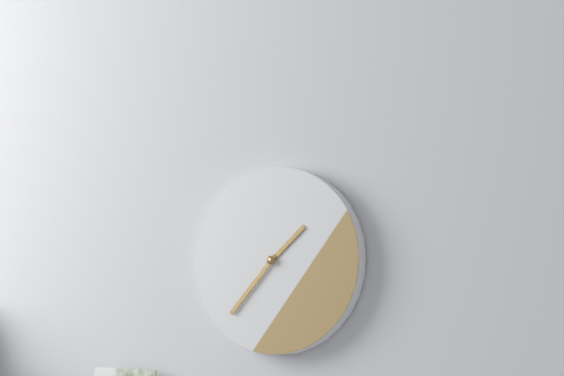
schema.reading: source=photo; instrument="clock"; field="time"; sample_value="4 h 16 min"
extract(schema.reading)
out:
1 h 37 min
